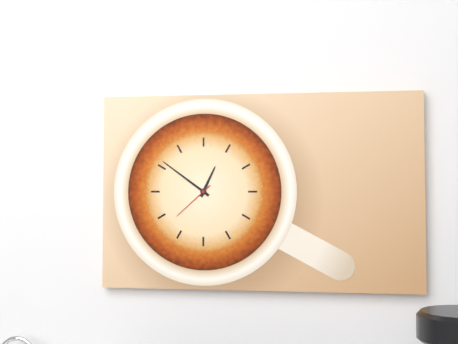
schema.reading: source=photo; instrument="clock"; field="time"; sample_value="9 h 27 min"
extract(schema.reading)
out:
12 h 51 min
